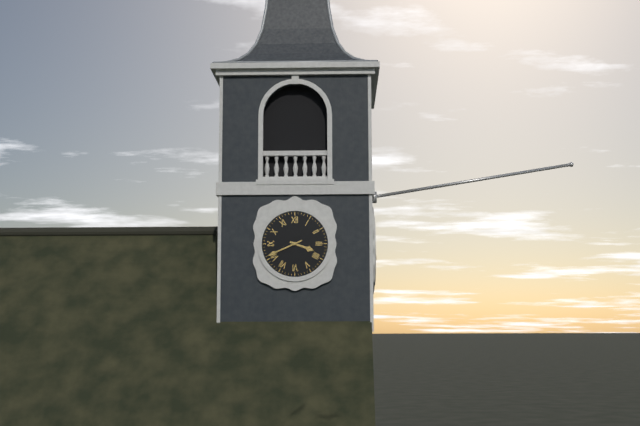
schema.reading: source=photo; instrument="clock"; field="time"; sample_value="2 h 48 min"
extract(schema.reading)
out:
3 h 41 min
